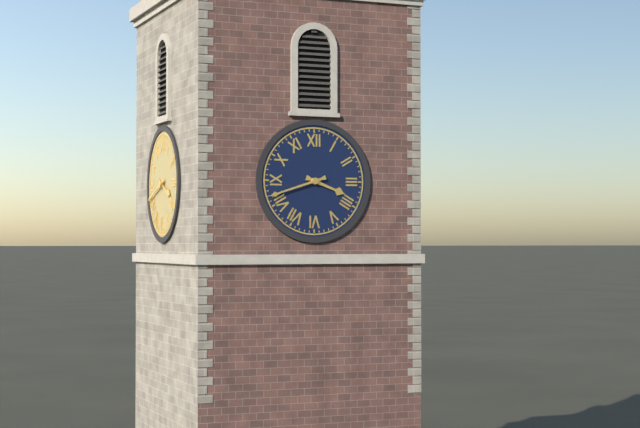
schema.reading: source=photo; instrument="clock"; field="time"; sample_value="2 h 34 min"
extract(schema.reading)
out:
3 h 42 min
